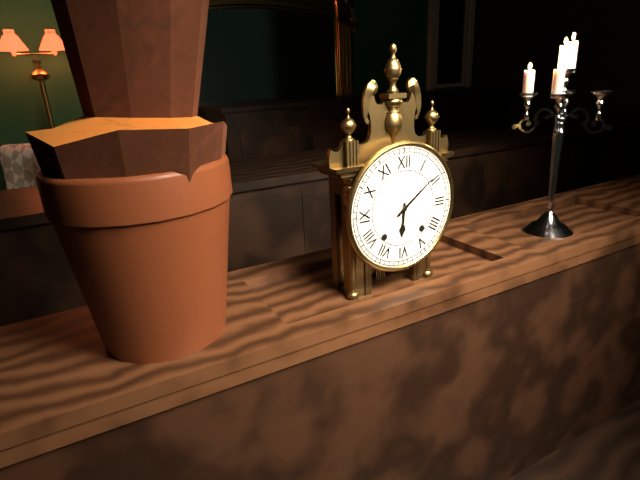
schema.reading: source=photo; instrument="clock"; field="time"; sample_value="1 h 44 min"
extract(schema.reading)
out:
6 h 09 min
